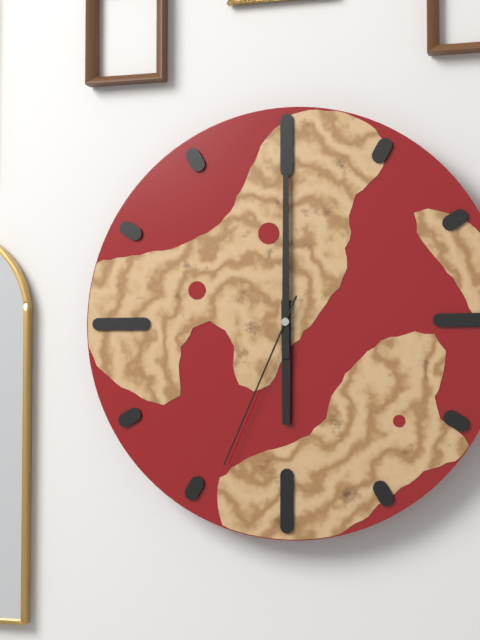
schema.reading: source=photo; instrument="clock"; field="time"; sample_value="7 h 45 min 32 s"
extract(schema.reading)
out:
6 h 00 min 34 s
